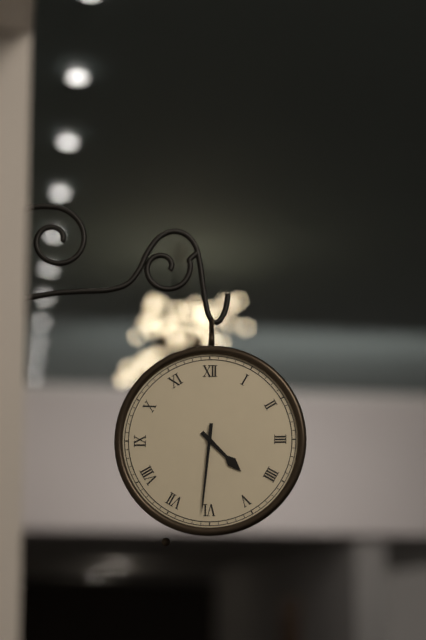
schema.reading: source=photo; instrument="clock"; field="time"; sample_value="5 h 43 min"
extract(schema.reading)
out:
4 h 31 min
